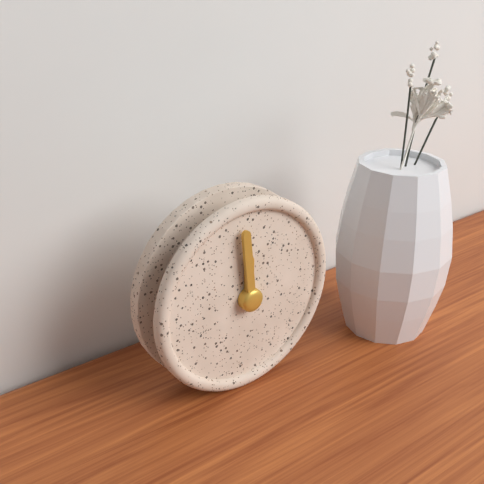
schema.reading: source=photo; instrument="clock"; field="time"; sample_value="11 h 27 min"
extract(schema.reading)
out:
11 h 59 min
